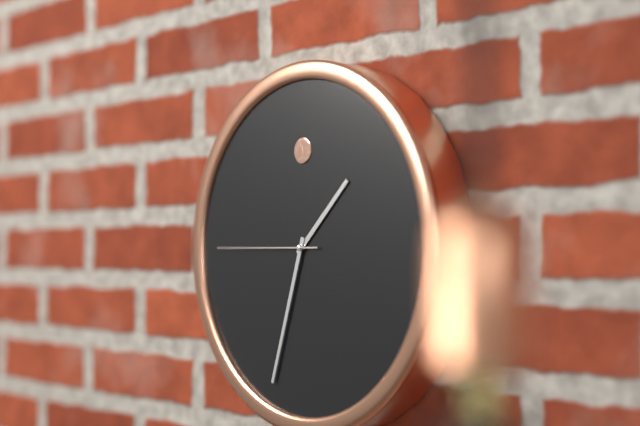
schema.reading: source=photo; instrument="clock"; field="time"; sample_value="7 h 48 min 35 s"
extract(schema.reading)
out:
1 h 33 min 45 s
